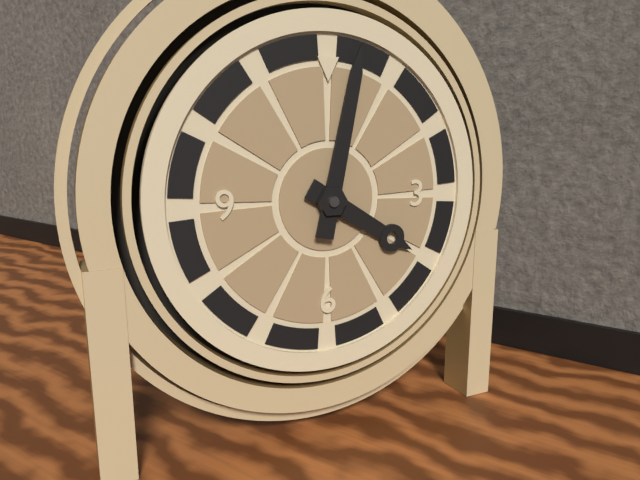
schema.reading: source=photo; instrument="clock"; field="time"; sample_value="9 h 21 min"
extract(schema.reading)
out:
4 h 02 min
